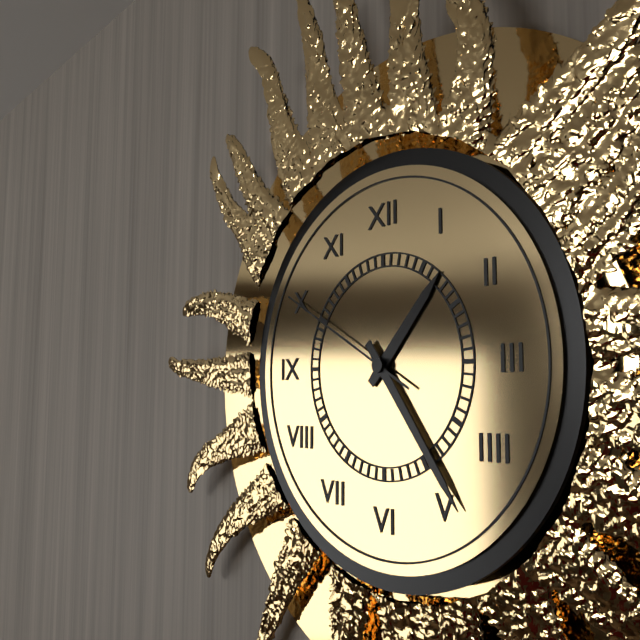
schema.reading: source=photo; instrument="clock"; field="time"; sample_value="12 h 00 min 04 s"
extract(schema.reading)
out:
1 h 24 min 50 s
